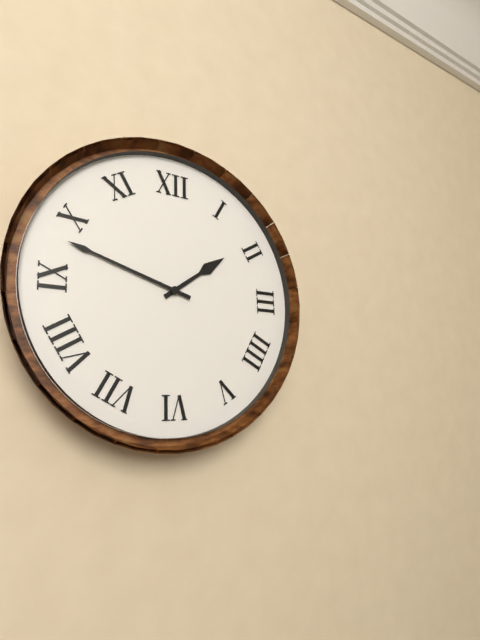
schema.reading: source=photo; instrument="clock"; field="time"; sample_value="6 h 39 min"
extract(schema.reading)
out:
1 h 48 min
